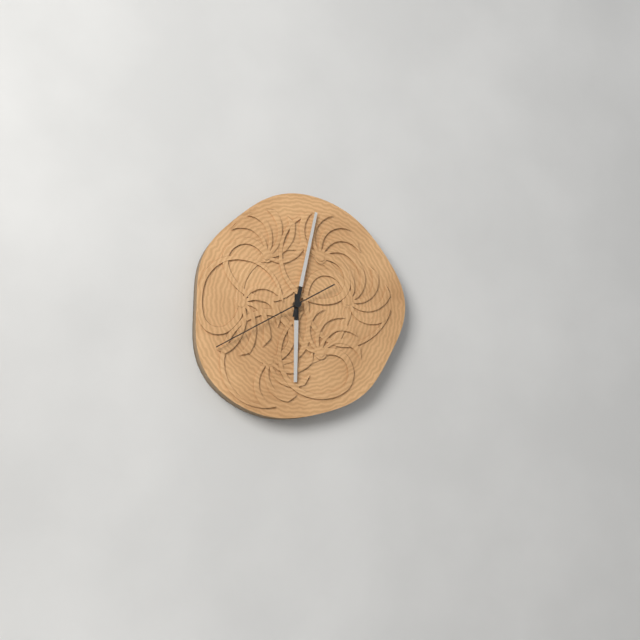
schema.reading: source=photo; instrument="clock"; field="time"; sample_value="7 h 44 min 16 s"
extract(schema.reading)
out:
6 h 02 min 40 s
